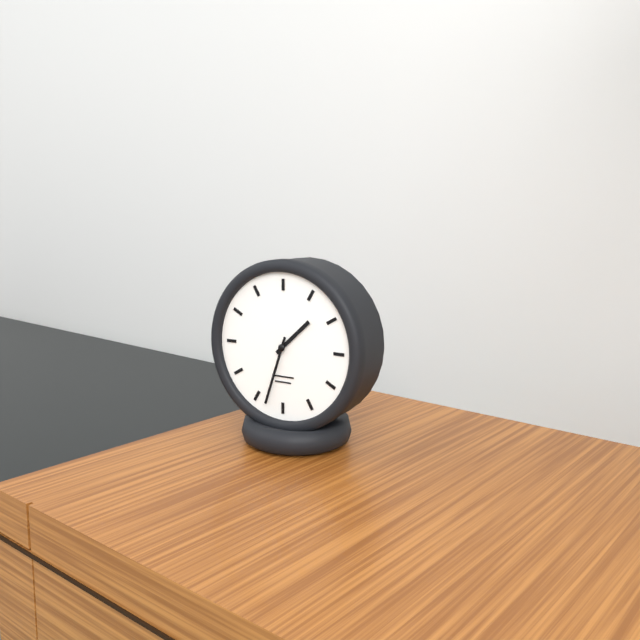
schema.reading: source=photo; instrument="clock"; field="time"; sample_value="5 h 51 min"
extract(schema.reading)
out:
1 h 33 min
